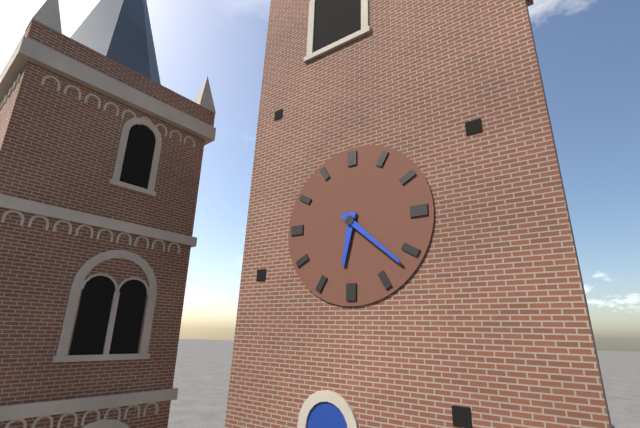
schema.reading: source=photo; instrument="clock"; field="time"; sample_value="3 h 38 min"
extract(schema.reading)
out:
6 h 22 min
